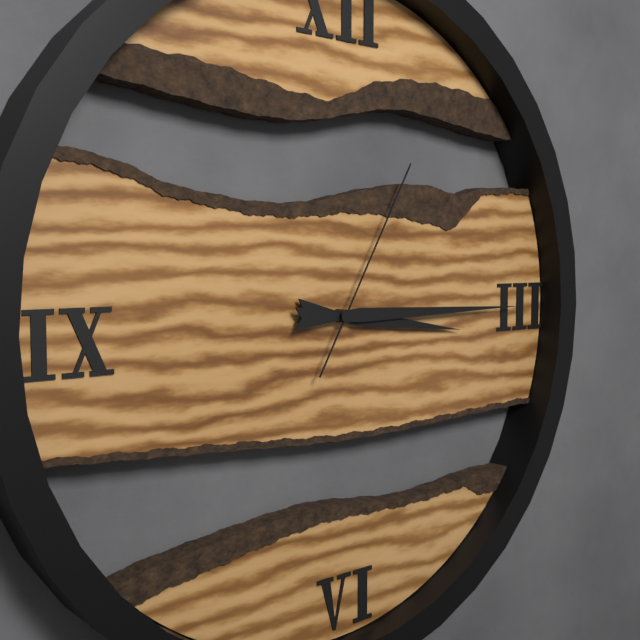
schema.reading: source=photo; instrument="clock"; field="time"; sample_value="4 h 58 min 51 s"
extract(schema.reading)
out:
3 h 15 min 05 s
